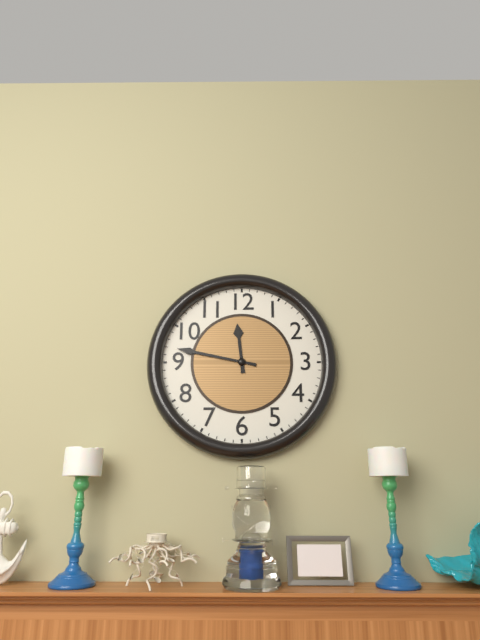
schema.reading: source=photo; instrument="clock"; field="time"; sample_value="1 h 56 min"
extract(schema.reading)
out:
11 h 47 min
